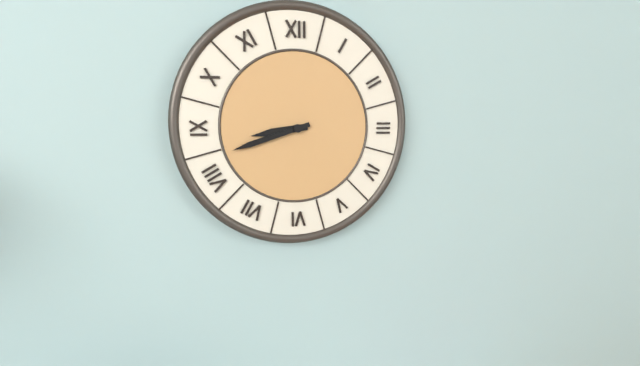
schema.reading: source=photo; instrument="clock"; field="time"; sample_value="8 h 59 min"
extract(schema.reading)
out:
8 h 42 min
